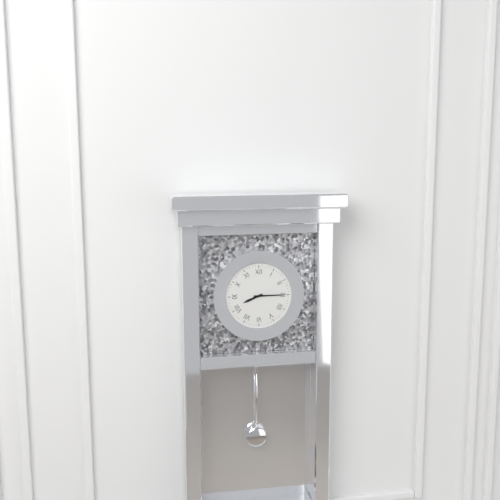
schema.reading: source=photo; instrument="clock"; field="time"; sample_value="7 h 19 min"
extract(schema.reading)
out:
8 h 15 min
